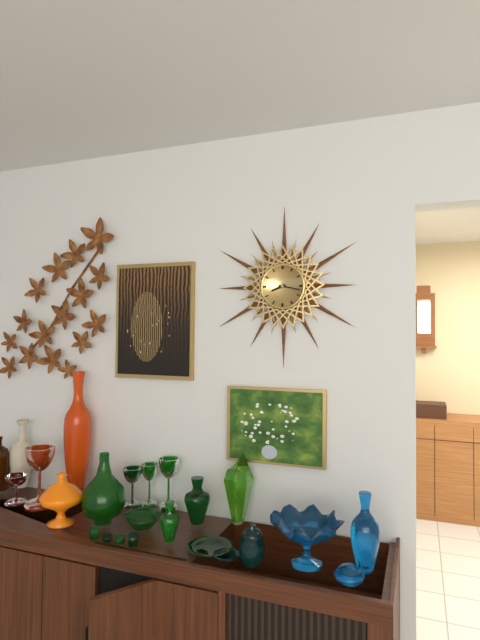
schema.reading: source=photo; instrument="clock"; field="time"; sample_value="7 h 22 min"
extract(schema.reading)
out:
8 h 17 min
